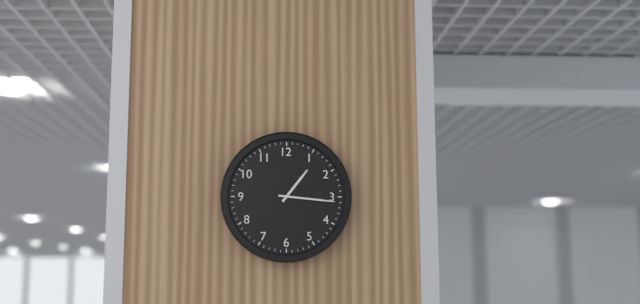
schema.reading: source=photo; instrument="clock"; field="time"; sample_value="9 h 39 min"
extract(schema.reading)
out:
1 h 16 min
